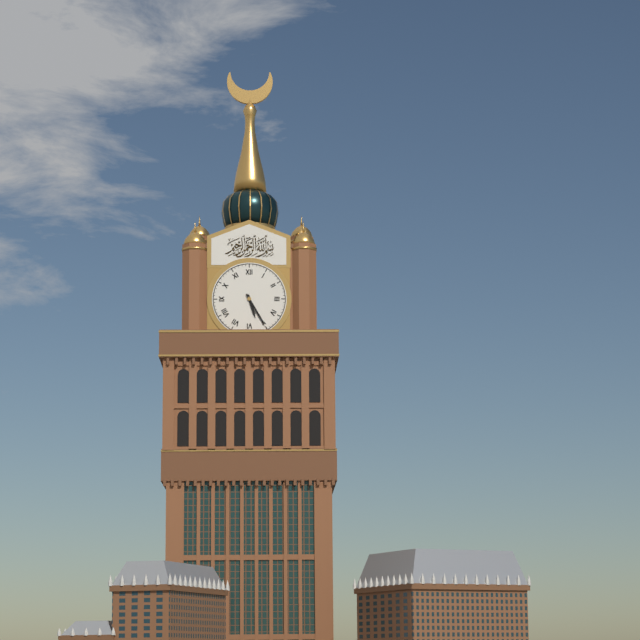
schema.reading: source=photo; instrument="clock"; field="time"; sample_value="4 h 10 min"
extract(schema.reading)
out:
5 h 25 min
